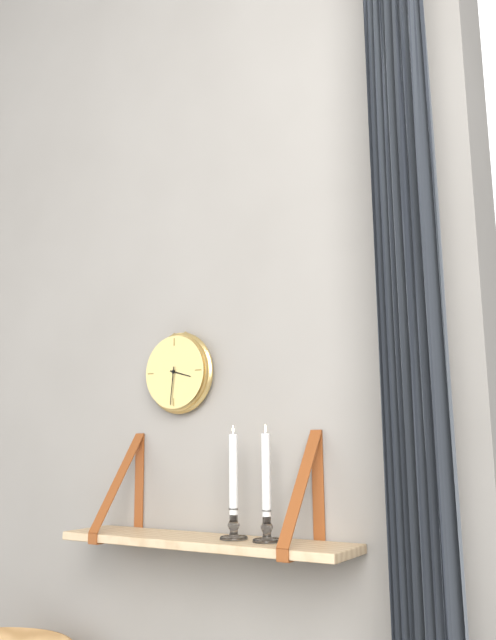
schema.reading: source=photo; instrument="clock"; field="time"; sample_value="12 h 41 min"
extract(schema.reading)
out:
3 h 31 min
